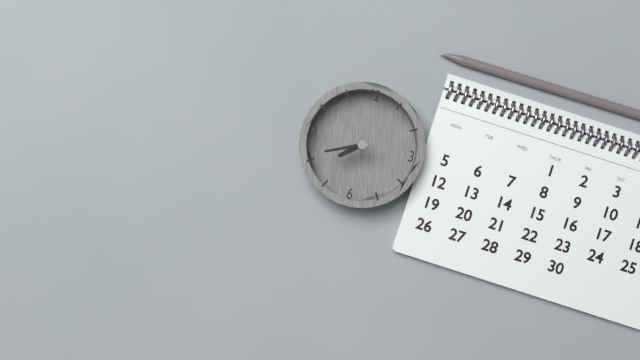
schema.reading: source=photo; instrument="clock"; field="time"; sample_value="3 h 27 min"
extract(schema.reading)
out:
7 h 41 min
